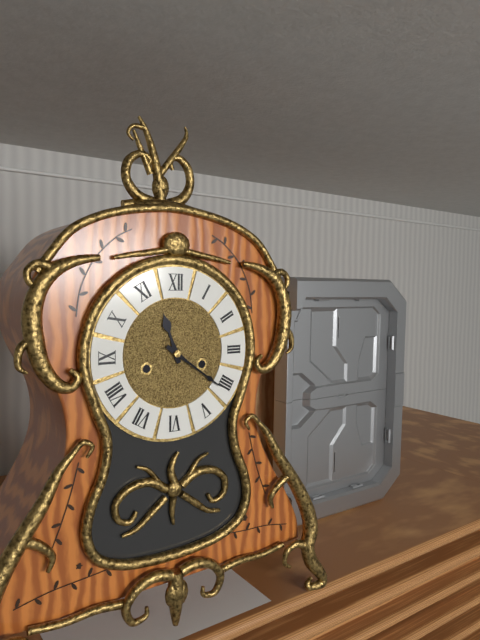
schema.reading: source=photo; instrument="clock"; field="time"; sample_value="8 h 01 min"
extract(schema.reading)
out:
11 h 21 min
